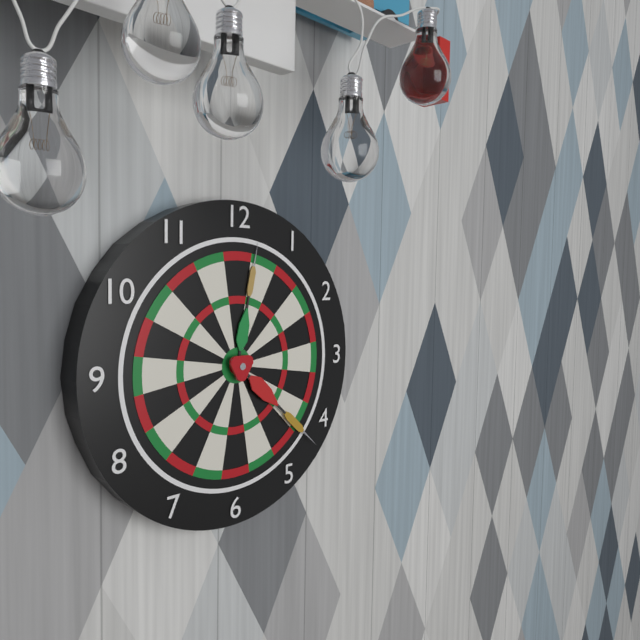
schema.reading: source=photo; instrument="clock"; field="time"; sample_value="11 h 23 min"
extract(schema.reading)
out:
12 h 22 min
